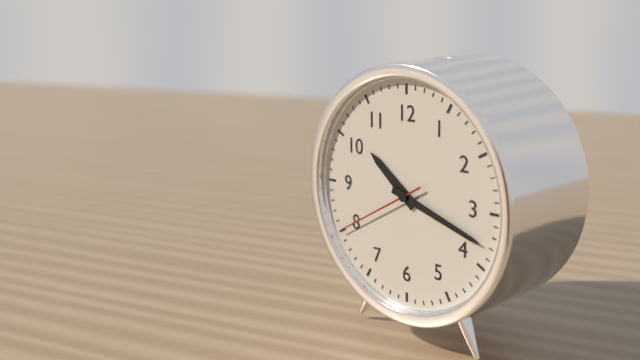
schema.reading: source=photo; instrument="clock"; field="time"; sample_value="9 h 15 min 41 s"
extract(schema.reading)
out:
10 h 18 min 40 s
